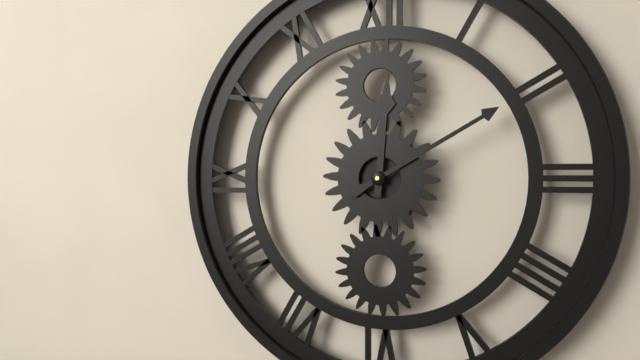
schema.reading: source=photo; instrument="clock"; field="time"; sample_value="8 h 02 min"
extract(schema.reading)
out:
12 h 10 min
